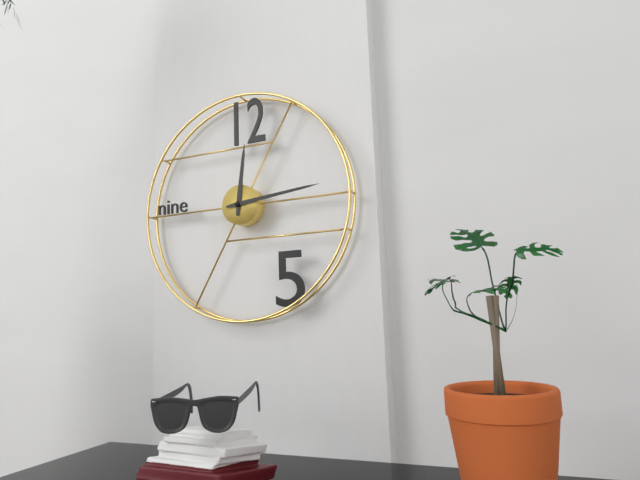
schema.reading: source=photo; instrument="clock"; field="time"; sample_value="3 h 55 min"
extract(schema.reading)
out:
12 h 14 min
